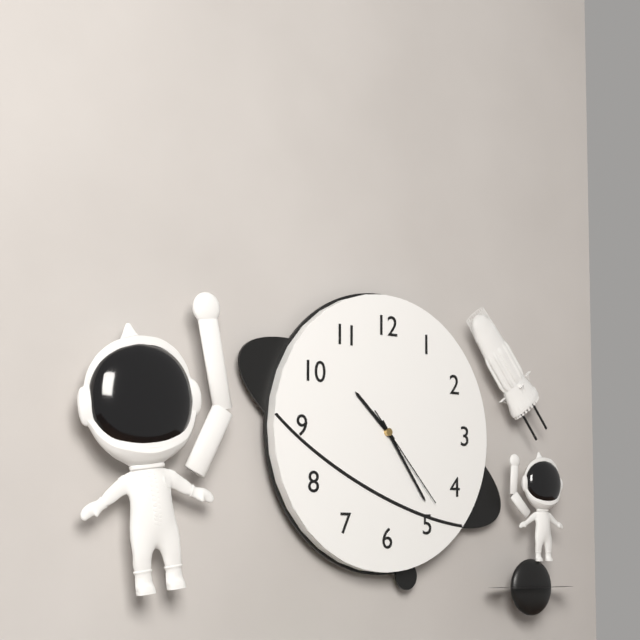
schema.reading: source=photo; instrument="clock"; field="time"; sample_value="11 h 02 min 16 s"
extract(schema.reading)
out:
10 h 24 min 23 s
